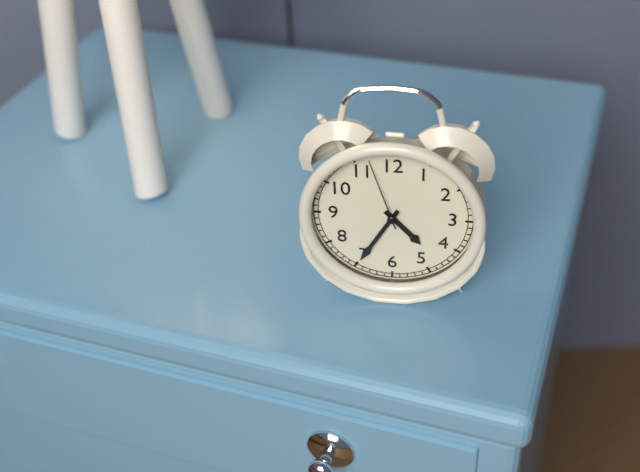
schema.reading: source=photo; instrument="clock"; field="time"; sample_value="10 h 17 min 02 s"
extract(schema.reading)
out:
4 h 35 min 57 s
